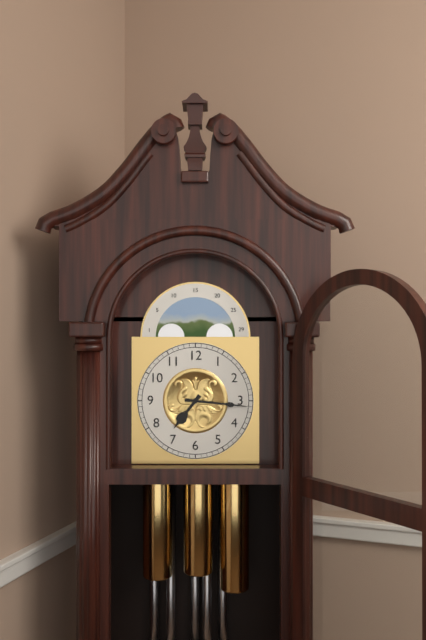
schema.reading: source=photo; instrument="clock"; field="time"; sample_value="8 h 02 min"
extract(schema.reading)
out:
7 h 16 min
